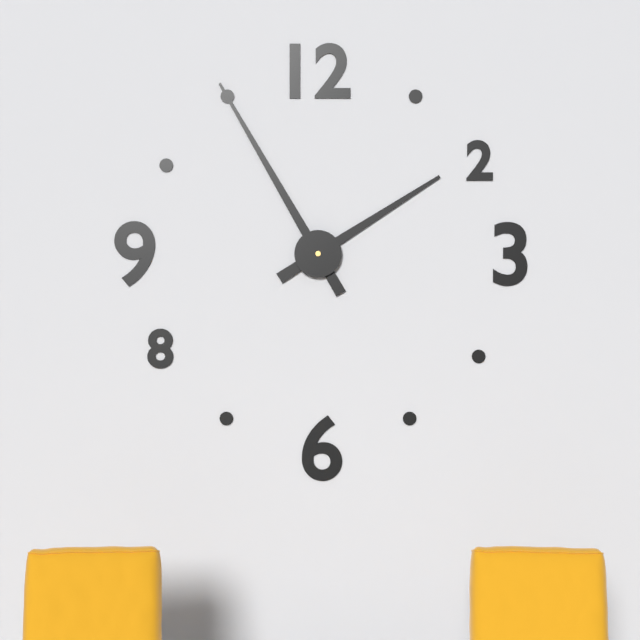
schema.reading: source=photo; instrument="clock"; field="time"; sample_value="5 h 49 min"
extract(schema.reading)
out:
1 h 55 min
